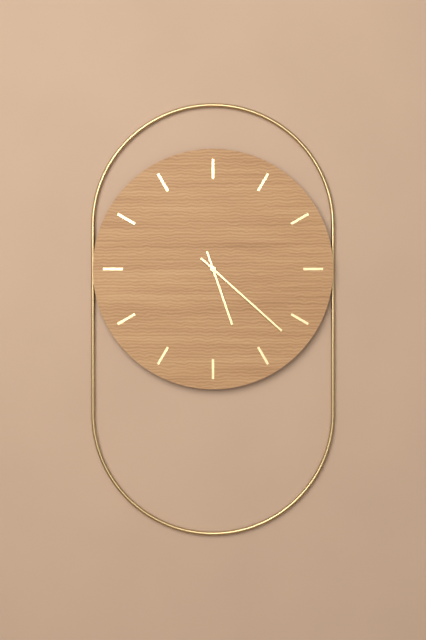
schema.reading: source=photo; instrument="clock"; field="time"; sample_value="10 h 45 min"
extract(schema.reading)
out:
5 h 22 min
